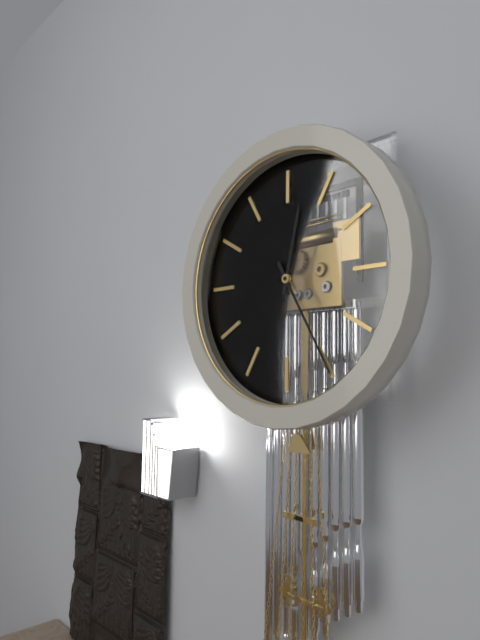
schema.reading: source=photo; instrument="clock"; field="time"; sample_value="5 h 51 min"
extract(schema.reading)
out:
12 h 25 min
